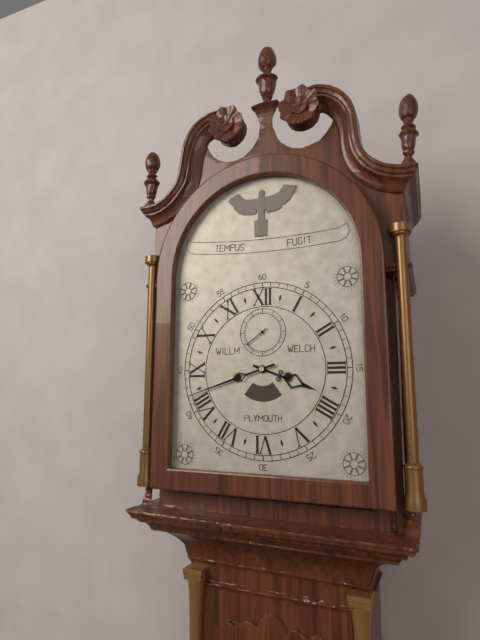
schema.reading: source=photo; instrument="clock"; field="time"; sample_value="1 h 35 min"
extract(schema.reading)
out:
3 h 42 min
